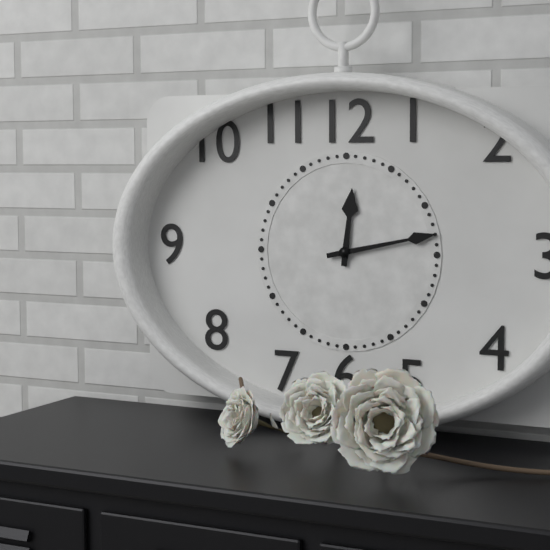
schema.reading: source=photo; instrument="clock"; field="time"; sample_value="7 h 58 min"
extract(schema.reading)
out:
12 h 13 min
